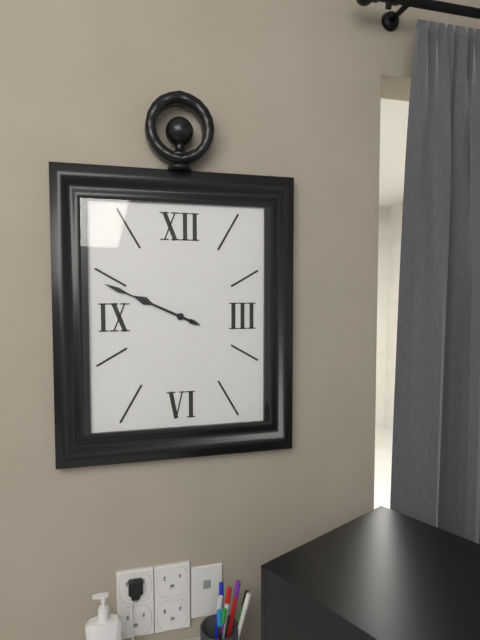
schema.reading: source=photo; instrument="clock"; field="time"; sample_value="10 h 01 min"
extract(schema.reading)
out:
9 h 49 min
